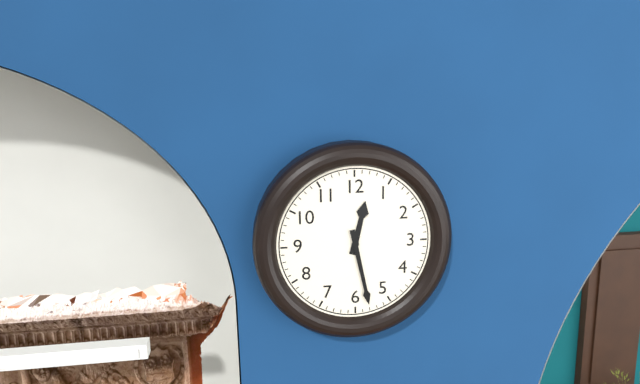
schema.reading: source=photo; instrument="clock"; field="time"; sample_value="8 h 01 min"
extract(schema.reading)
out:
12 h 28 min
